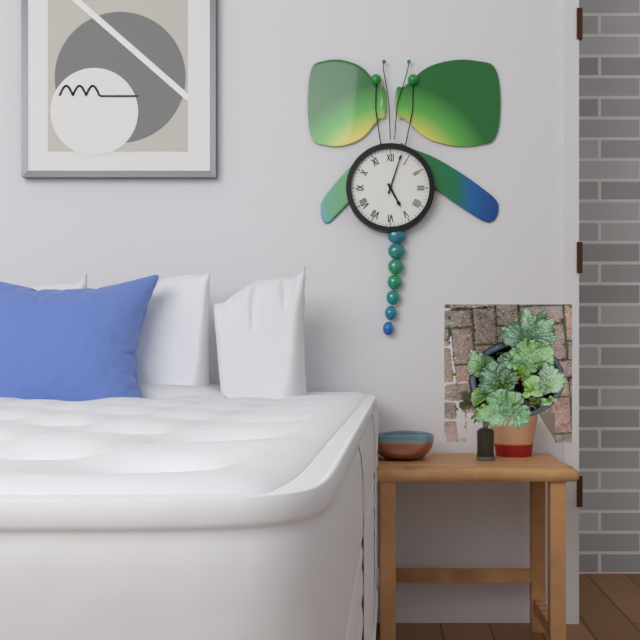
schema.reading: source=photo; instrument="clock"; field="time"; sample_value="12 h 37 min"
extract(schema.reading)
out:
5 h 03 min
